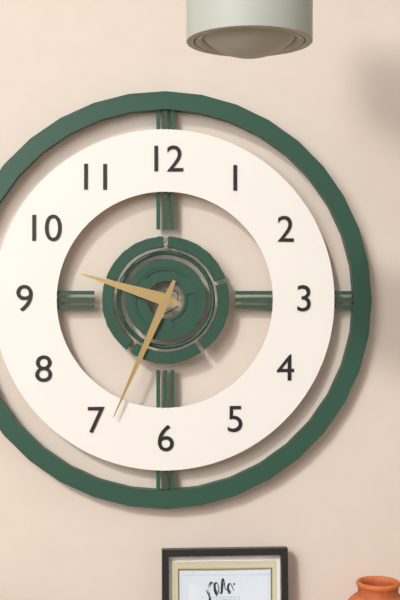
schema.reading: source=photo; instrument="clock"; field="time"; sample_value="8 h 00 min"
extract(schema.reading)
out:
9 h 34 min
